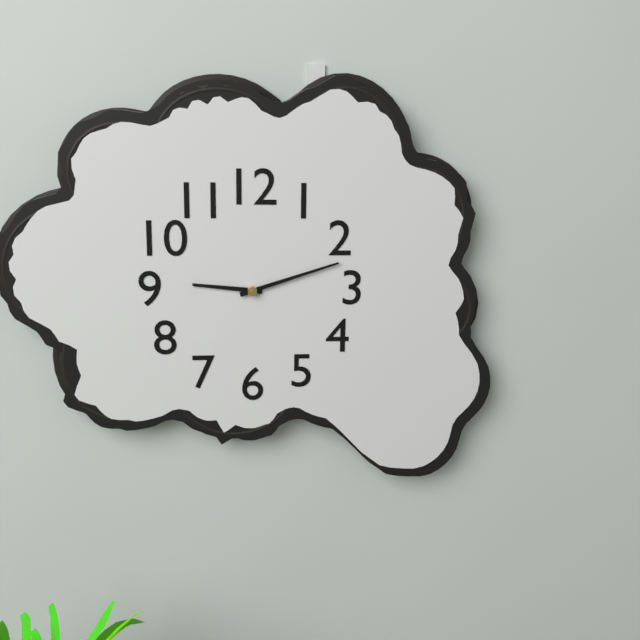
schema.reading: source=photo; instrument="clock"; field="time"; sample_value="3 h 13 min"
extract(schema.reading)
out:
9 h 12 min
